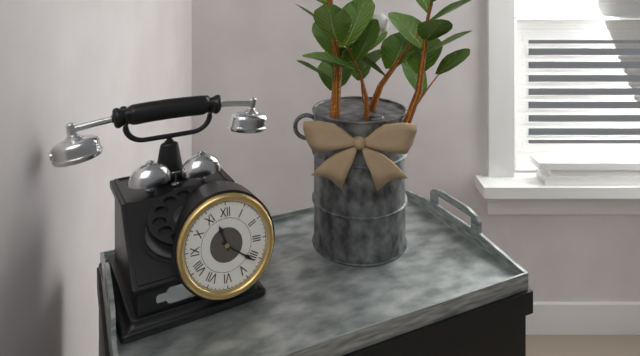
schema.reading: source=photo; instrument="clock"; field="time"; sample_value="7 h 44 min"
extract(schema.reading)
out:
11 h 21 min
